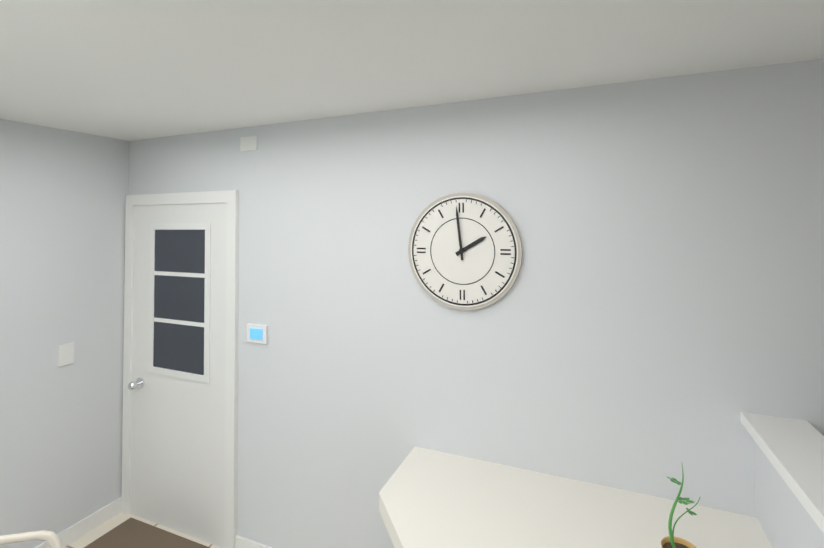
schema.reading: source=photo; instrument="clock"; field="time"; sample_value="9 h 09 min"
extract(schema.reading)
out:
1 h 59 min
